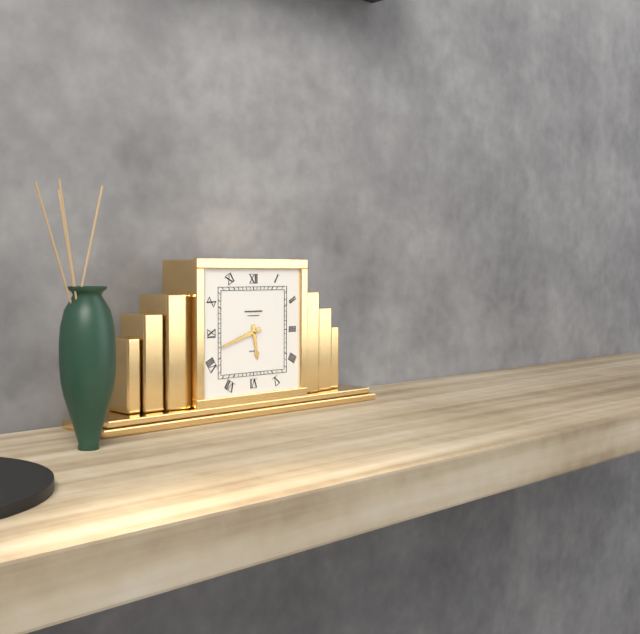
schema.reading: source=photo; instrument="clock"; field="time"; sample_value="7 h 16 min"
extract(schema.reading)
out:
5 h 42 min
